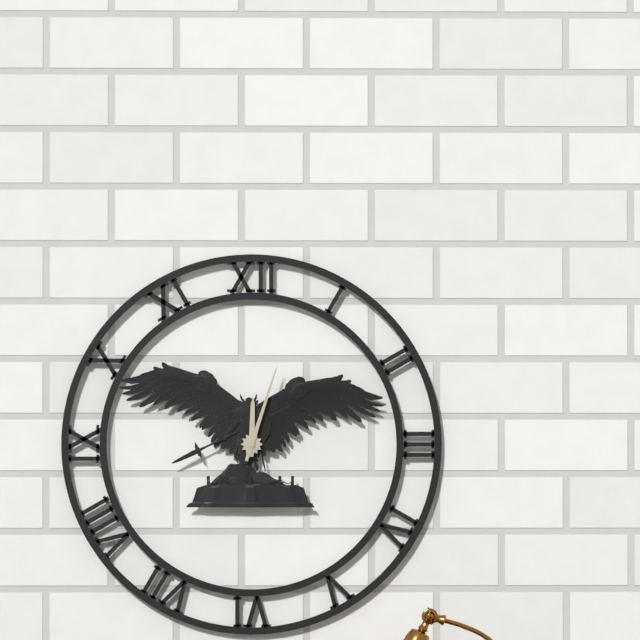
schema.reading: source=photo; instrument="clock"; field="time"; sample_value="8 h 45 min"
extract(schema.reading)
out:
12 h 03 min
